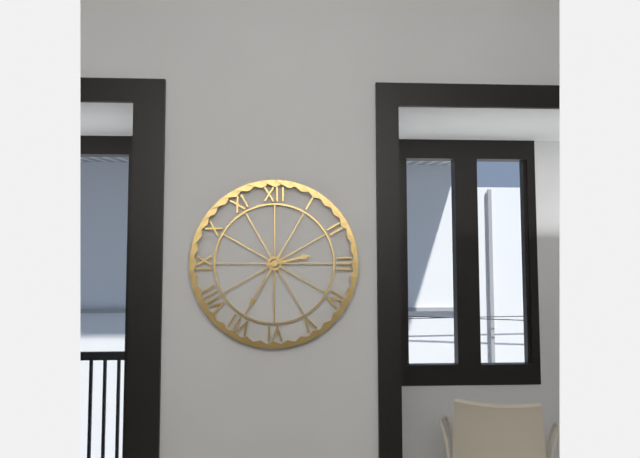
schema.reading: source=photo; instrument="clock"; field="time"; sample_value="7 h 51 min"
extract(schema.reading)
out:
2 h 35 min
